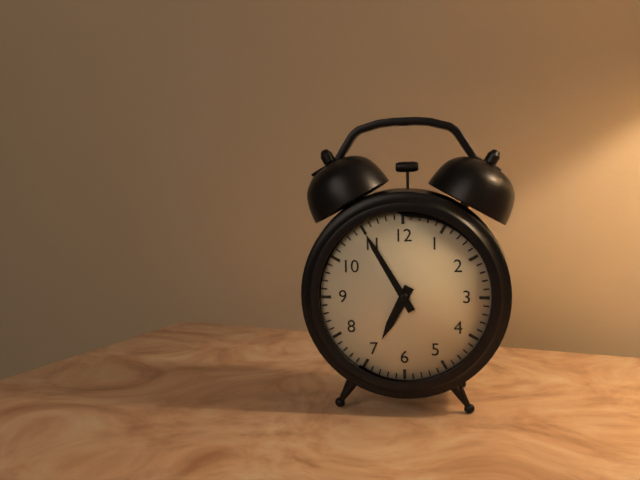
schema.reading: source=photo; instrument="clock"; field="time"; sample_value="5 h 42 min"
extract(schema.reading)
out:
6 h 55 min
